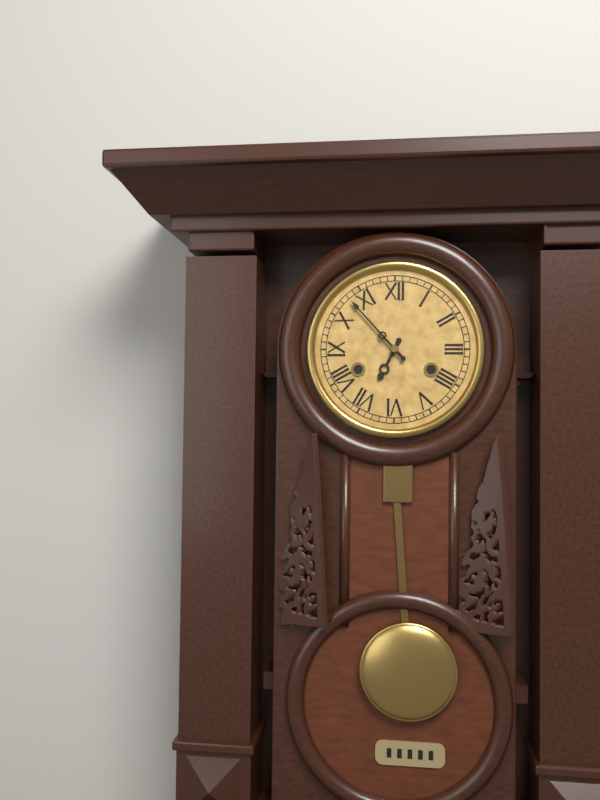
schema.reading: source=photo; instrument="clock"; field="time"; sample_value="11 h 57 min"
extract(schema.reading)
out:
6 h 53 min
